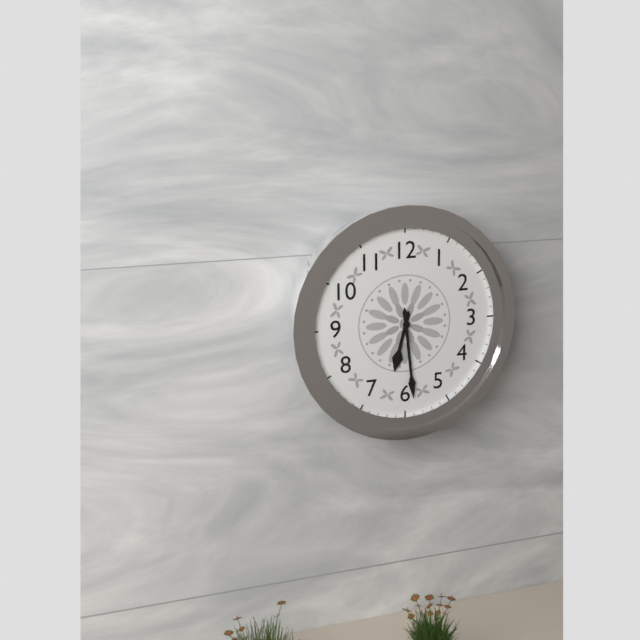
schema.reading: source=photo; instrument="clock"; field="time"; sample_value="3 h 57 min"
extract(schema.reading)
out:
6 h 29 min
